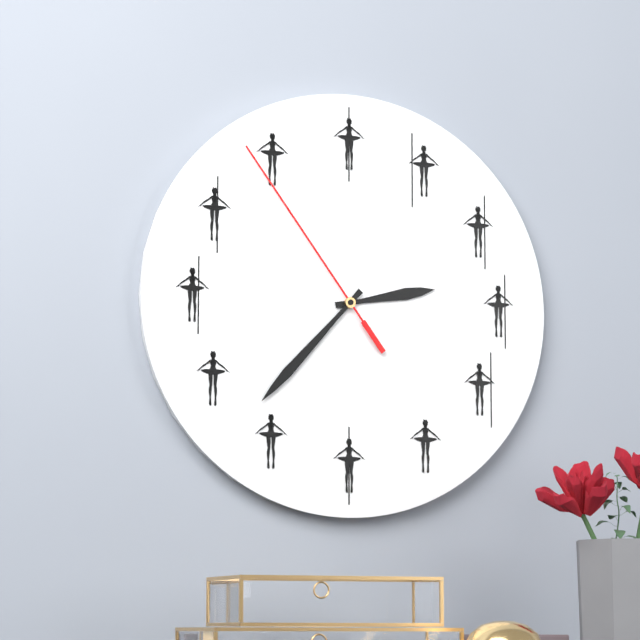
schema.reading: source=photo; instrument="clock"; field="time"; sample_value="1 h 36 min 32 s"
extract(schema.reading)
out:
2 h 37 min 54 s
